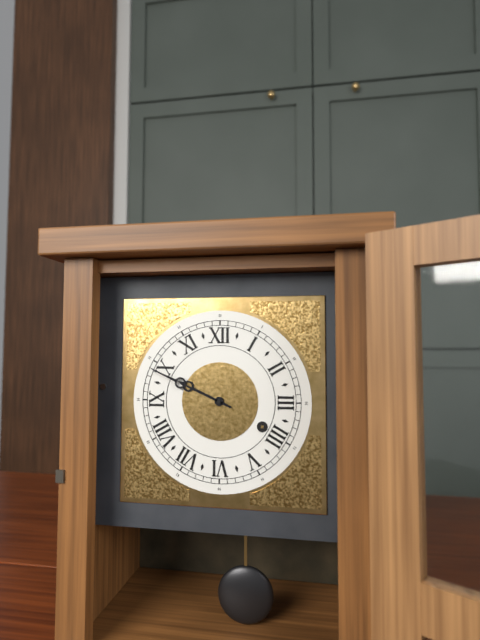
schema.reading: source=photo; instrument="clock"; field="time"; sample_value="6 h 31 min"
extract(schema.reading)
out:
9 h 49 min
